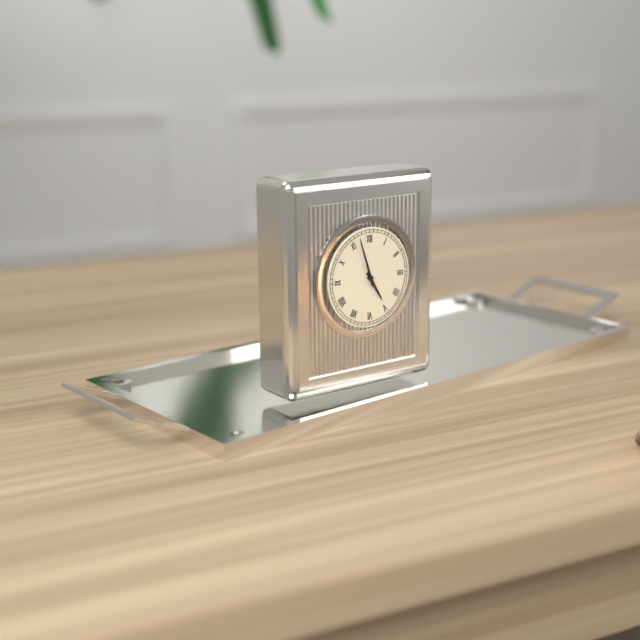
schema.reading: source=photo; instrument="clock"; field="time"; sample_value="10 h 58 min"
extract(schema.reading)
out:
4 h 57 min
